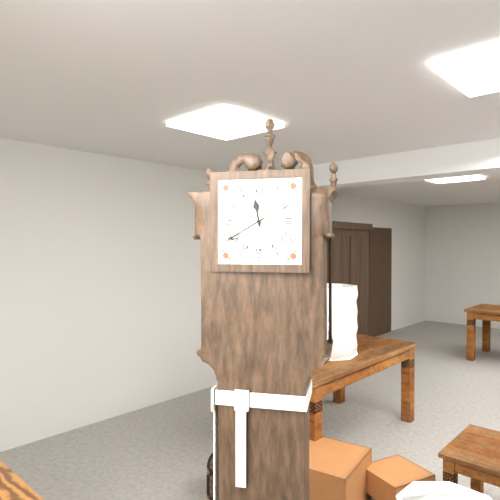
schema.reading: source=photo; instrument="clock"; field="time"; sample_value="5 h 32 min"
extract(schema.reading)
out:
11 h 40 min
